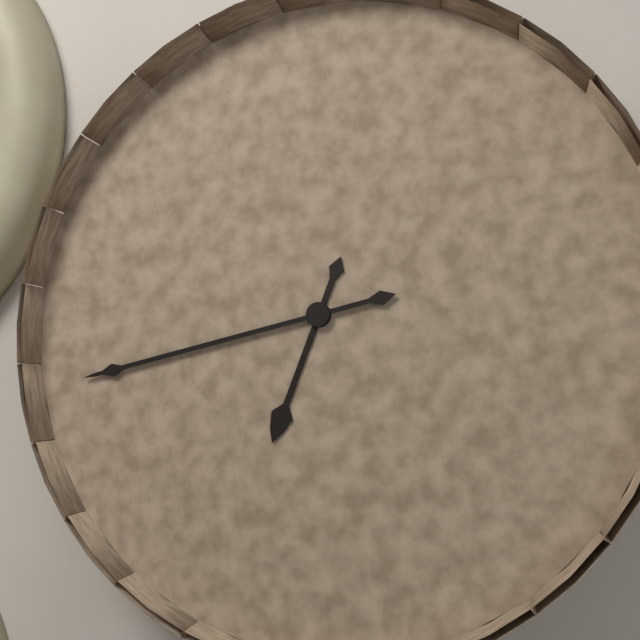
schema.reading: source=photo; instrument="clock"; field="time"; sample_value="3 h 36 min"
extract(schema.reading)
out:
6 h 43 min
